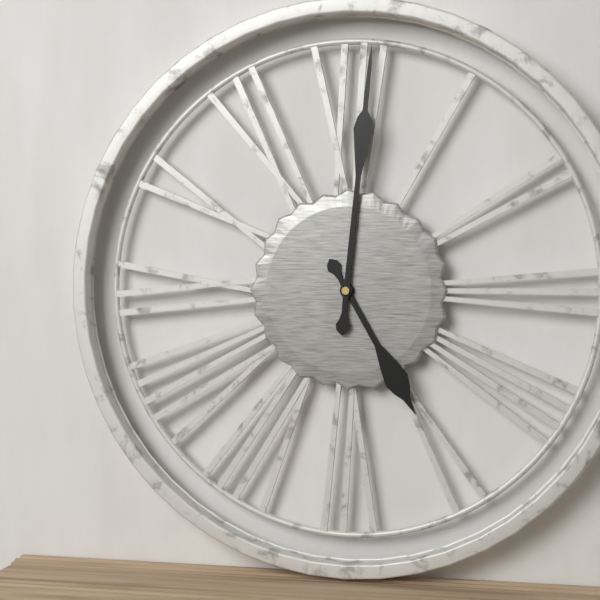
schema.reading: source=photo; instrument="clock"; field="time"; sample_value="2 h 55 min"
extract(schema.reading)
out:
5 h 01 min
